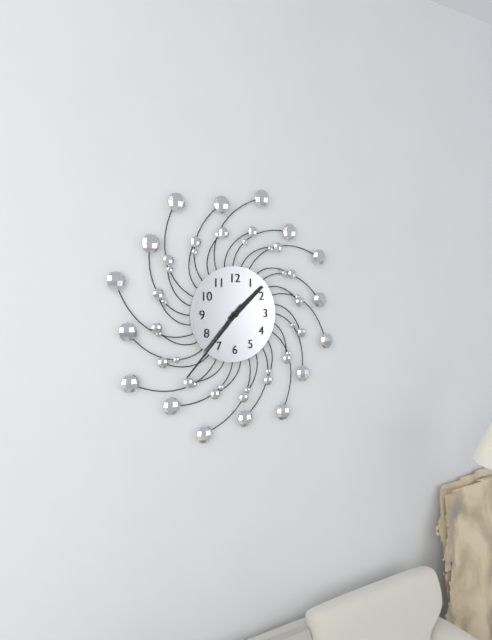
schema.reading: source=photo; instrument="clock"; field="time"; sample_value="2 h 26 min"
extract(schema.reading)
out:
1 h 37 min
